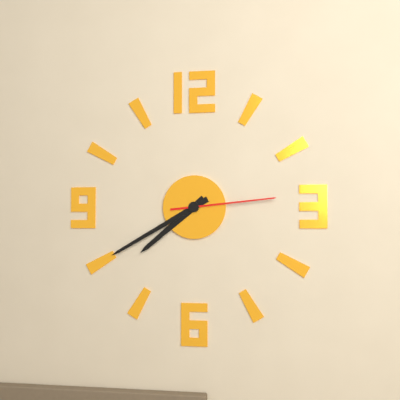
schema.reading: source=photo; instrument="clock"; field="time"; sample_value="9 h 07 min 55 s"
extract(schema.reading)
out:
7 h 40 min 14 s
